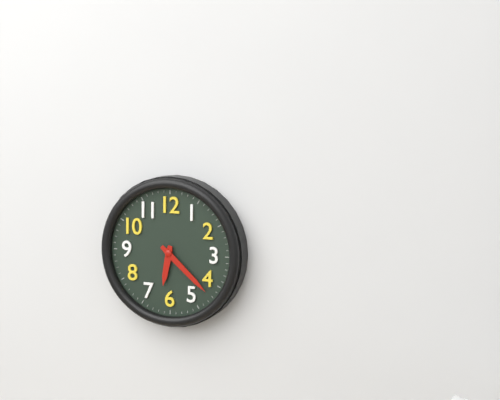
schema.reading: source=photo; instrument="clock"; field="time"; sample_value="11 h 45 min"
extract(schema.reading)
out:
6 h 22 min
